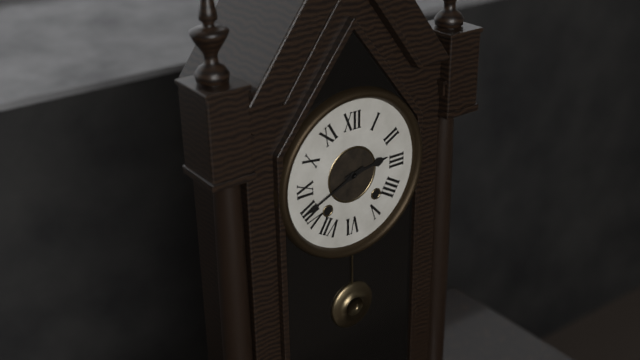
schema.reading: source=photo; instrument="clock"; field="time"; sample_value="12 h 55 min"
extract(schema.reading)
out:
2 h 41 min
